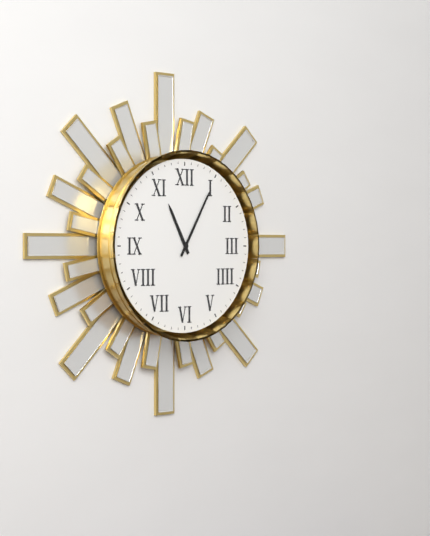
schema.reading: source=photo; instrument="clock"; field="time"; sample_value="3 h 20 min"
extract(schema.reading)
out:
11 h 05 min
